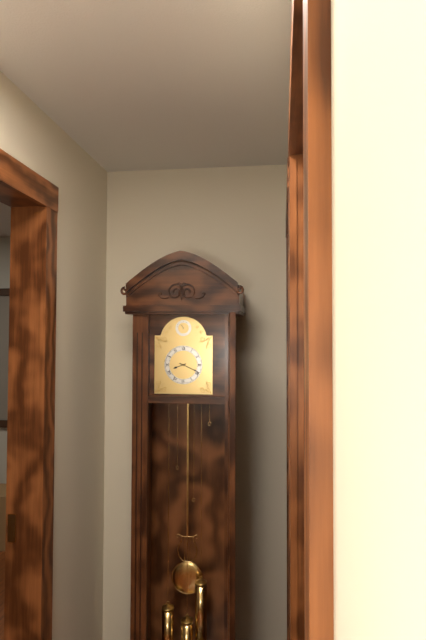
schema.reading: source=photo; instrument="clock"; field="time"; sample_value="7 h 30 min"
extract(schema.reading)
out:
8 h 19 min
